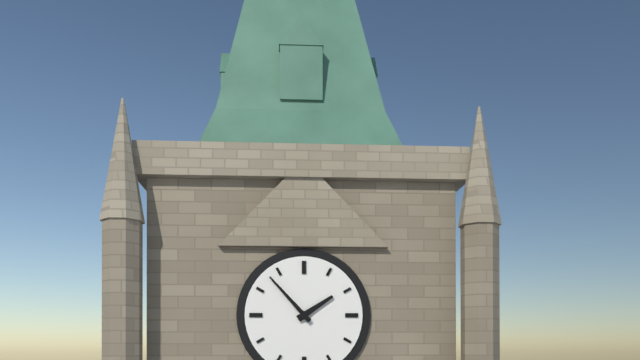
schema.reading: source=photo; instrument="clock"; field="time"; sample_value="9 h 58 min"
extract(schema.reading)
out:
1 h 53 min
